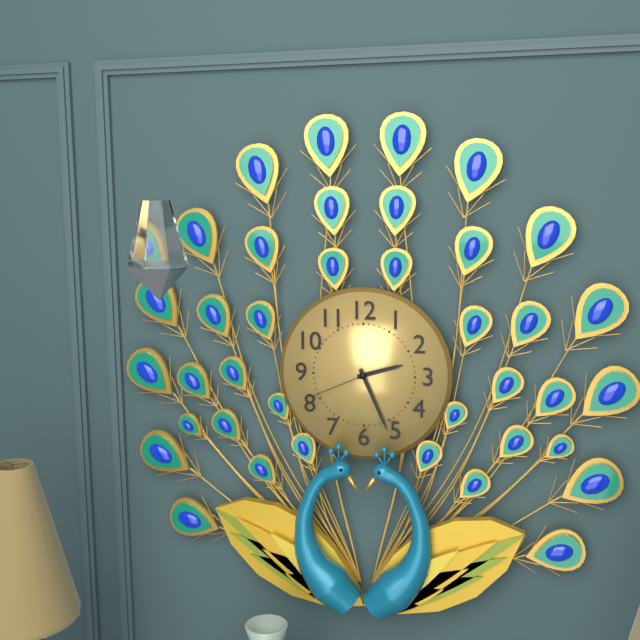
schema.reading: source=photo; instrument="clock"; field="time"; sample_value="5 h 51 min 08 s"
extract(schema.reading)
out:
2 h 26 min 41 s
